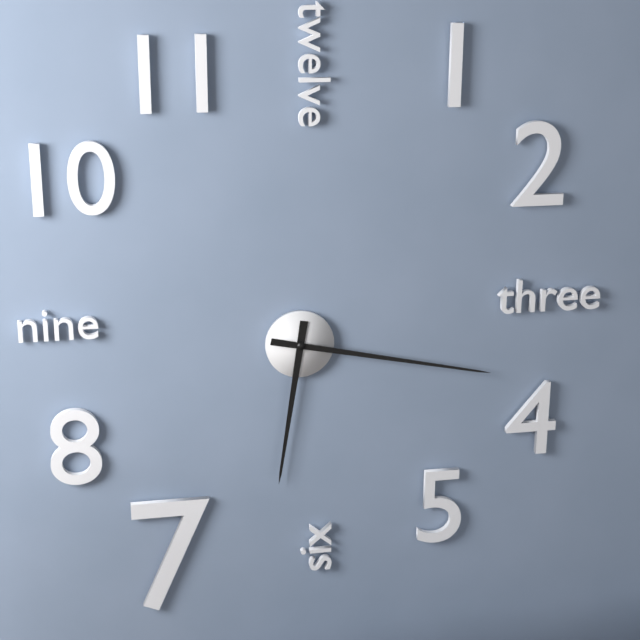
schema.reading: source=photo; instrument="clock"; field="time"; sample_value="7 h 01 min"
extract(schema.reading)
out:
6 h 17 min
